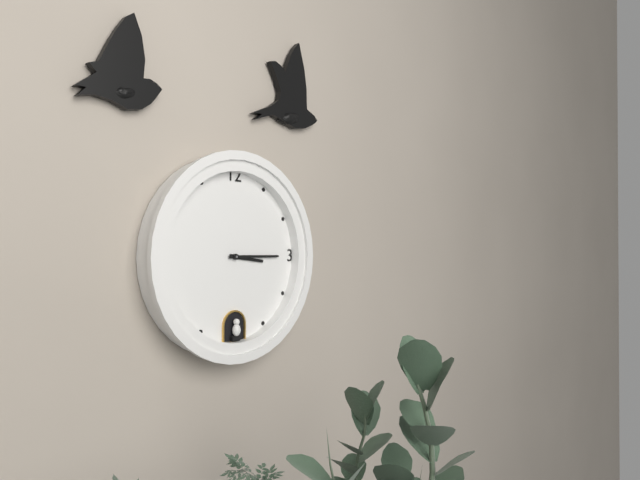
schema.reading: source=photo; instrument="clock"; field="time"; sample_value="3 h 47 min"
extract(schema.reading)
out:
3 h 15 min
